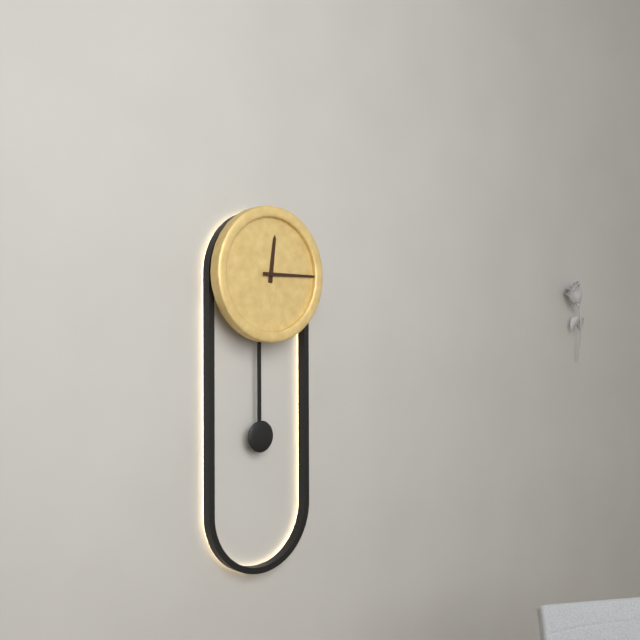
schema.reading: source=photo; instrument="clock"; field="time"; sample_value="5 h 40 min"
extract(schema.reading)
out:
12 h 15 min
